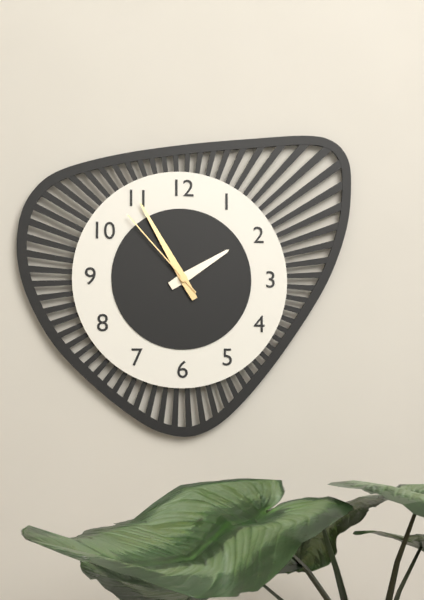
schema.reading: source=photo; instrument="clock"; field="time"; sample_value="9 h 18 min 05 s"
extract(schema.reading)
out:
1 h 55 min 53 s
